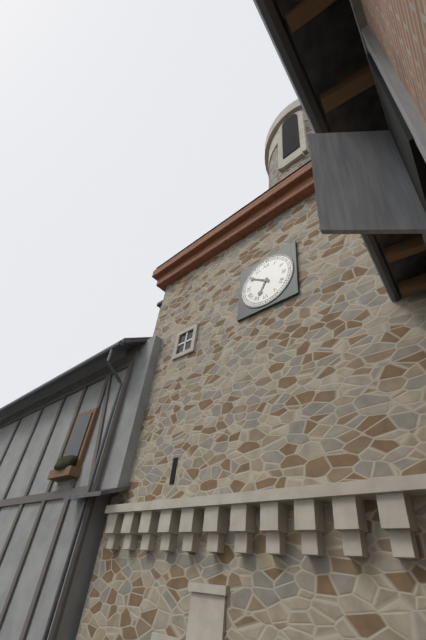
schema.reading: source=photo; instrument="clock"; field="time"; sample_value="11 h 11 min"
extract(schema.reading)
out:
6 h 51 min
